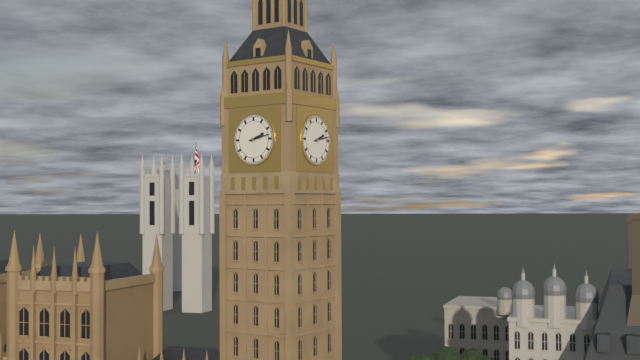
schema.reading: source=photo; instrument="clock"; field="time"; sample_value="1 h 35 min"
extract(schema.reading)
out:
2 h 13 min
